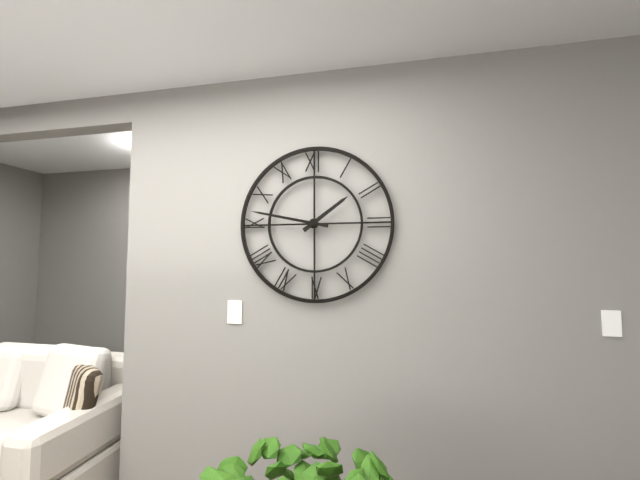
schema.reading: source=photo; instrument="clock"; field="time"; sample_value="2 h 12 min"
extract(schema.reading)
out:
1 h 47 min
